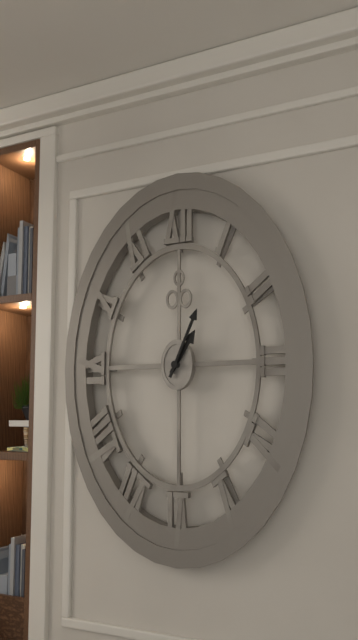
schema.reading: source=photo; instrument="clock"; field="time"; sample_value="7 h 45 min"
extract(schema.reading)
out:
1 h 04 min
